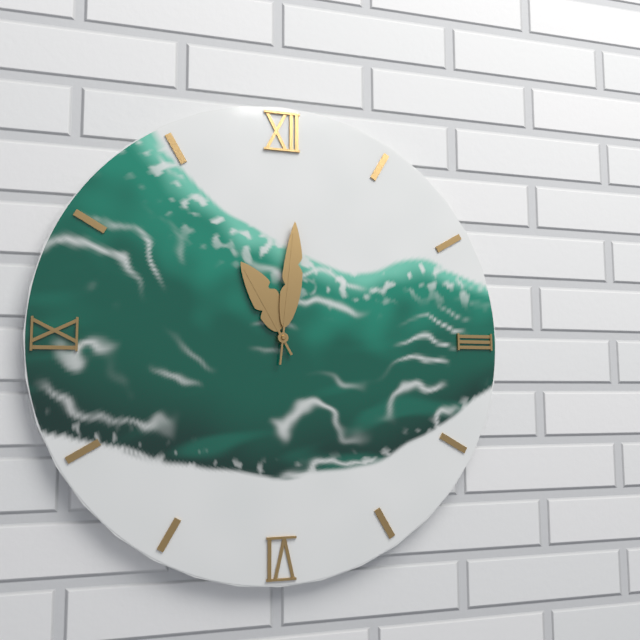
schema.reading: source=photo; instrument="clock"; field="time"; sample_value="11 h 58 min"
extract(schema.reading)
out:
11 h 01 min
